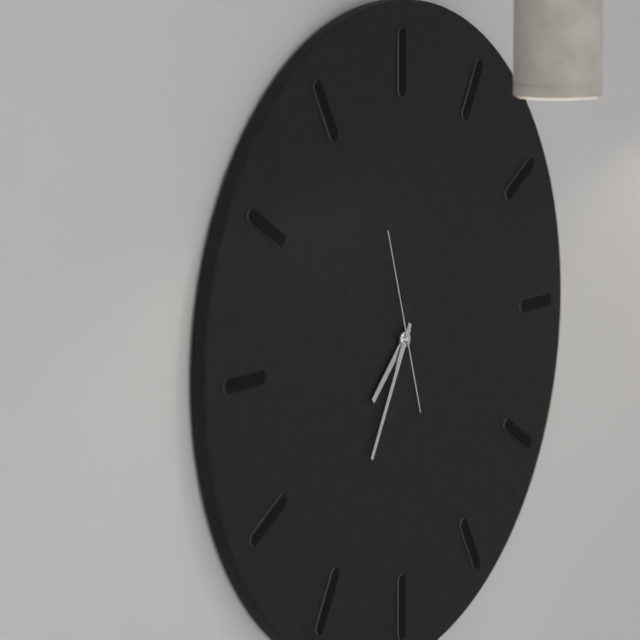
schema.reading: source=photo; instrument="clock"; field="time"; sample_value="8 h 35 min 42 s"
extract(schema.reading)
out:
7 h 35 min 57 s
